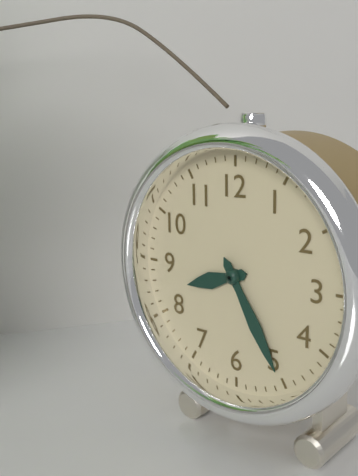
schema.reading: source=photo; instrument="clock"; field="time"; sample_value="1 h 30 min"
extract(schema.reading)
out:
8 h 25 min
